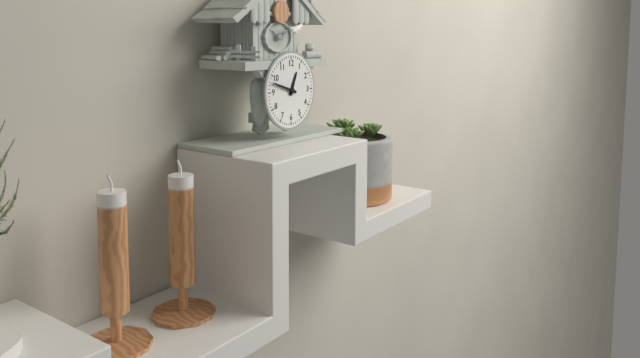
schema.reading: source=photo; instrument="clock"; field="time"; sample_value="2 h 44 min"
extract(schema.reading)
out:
12 h 48 min
